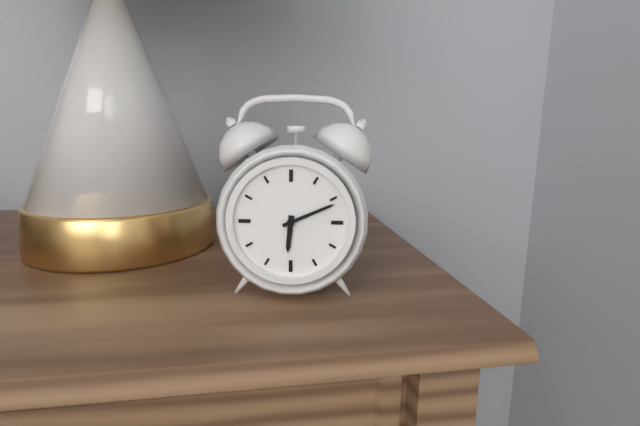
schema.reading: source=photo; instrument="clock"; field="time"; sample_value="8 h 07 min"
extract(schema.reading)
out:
6 h 11 min
